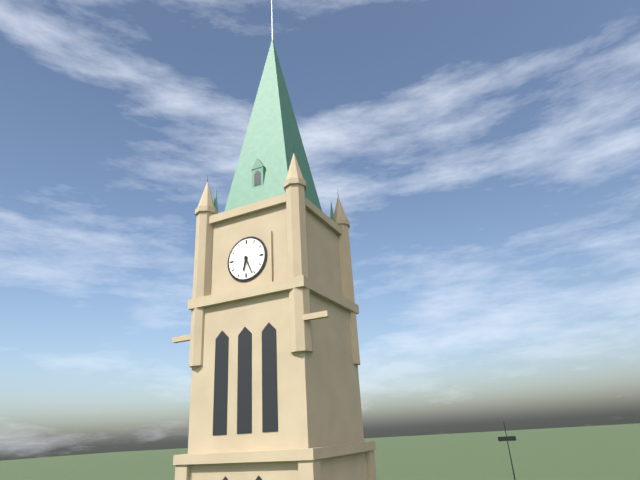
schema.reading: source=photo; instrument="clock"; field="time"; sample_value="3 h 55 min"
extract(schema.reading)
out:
6 h 26 min
